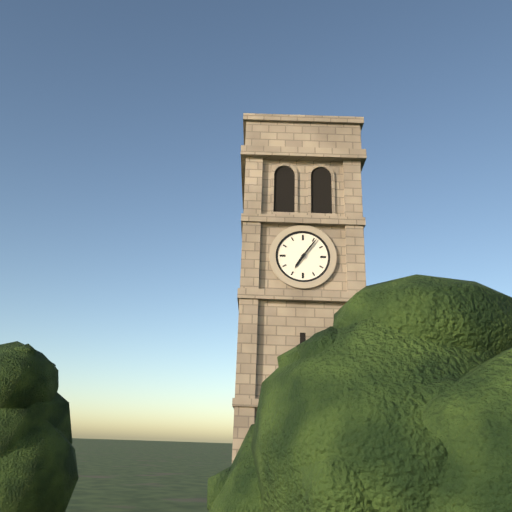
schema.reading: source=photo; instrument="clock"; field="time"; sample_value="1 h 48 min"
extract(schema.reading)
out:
7 h 06 min
